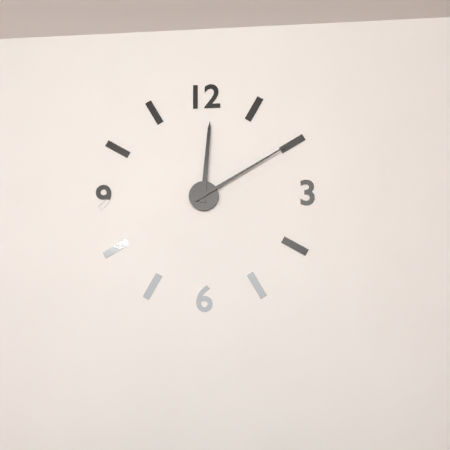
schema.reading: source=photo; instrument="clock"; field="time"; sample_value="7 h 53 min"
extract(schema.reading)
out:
12 h 10 min
